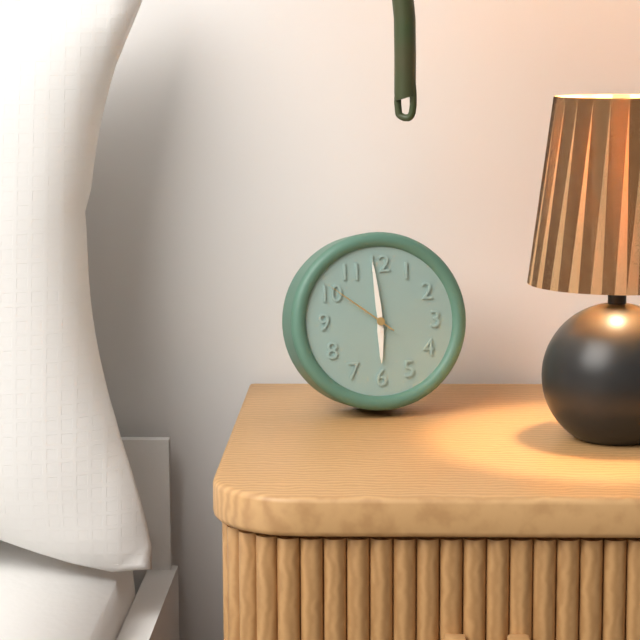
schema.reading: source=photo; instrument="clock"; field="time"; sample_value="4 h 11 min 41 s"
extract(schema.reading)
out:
5 h 59 min 51 s
